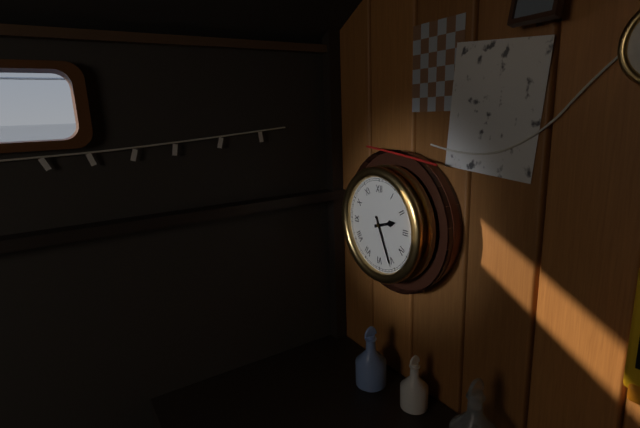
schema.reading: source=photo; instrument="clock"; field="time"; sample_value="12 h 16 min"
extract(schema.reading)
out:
2 h 26 min
